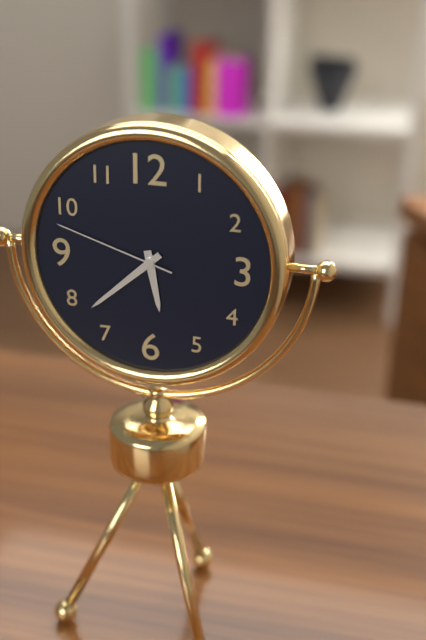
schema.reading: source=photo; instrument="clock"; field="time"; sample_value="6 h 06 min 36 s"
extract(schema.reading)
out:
5 h 38 min 48 s
